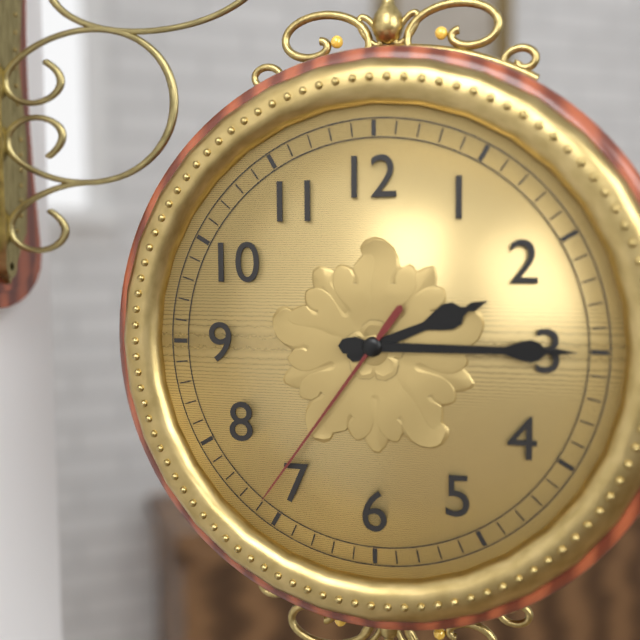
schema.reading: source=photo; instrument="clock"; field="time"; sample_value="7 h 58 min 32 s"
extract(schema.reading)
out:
2 h 15 min 36 s
